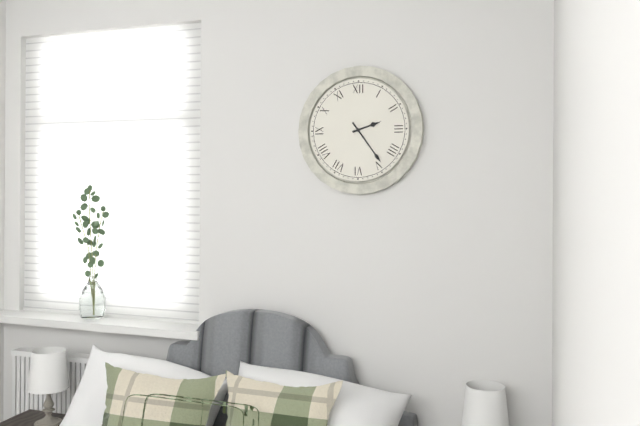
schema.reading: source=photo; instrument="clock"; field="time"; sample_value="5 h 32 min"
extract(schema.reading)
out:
2 h 24 min
